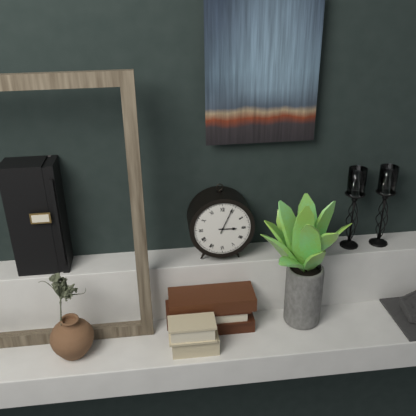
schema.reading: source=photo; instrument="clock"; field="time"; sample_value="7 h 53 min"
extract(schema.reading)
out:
3 h 04 min
